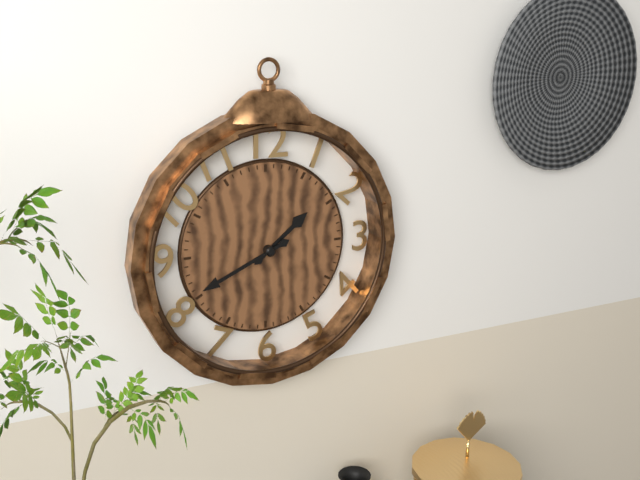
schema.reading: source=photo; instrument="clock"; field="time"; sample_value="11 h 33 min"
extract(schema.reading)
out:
1 h 41 min
